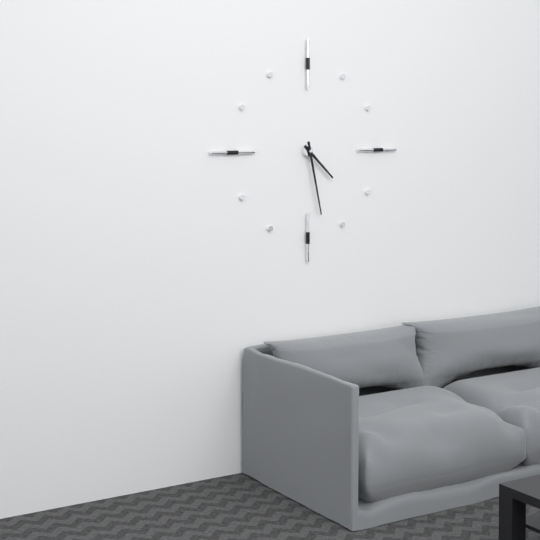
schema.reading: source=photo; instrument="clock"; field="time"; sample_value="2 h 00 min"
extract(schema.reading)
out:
4 h 28 min
